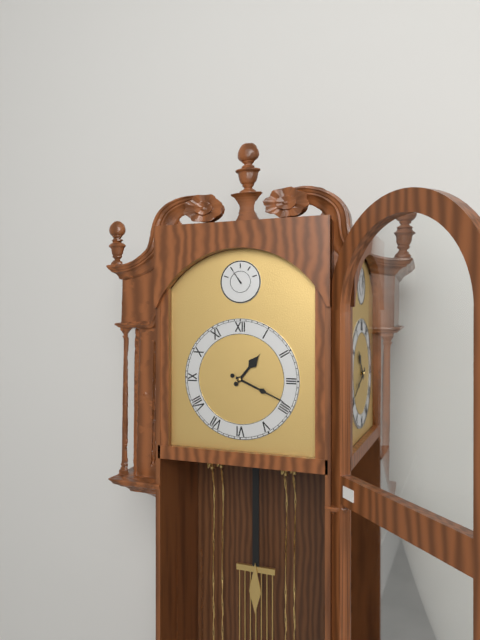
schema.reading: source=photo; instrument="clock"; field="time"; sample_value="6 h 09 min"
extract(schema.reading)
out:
1 h 19 min
